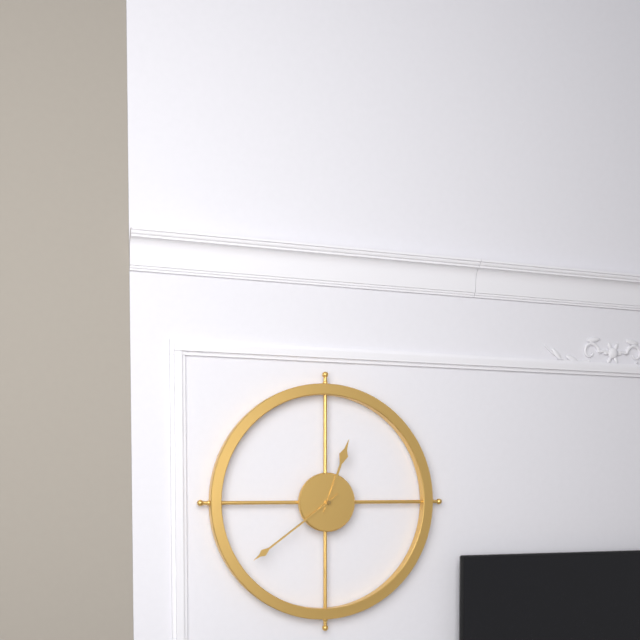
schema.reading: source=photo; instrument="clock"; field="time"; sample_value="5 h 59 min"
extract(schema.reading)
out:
12 h 39 min
